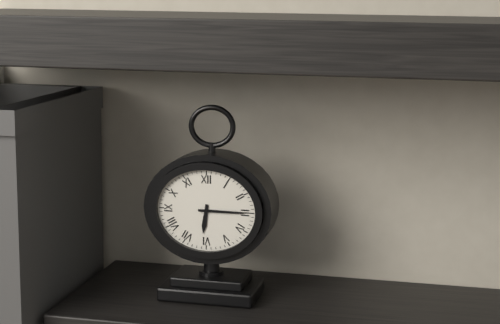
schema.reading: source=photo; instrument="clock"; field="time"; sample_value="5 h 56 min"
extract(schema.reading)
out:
6 h 15 min
